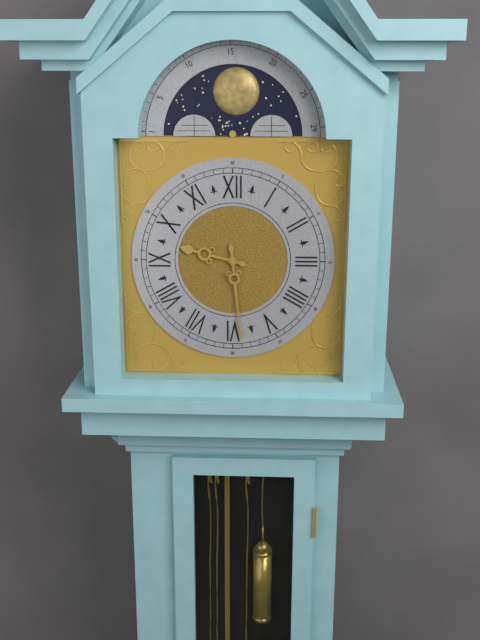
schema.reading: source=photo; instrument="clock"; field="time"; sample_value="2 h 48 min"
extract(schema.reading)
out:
9 h 29 min
